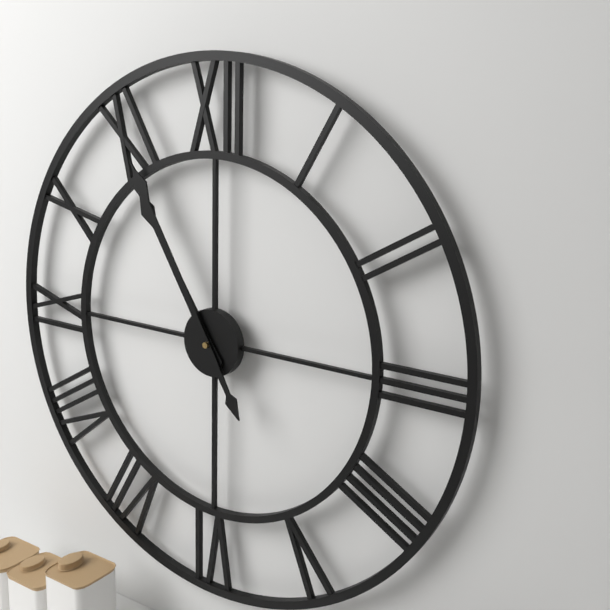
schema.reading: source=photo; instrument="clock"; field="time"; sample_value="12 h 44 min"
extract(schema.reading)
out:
10 h 55 min
